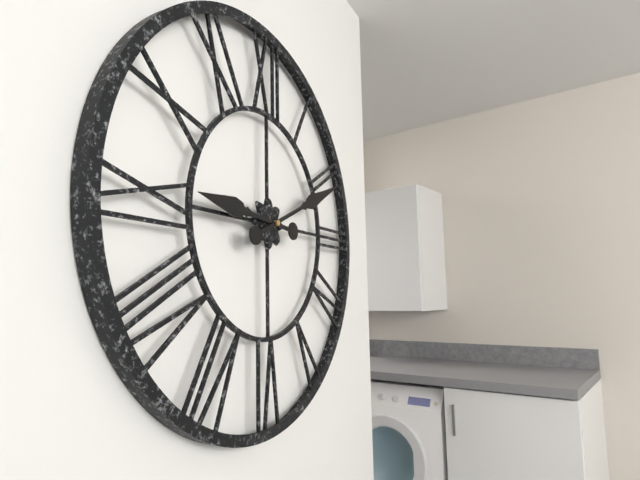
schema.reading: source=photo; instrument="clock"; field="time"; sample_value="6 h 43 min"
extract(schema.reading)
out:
9 h 11 min
